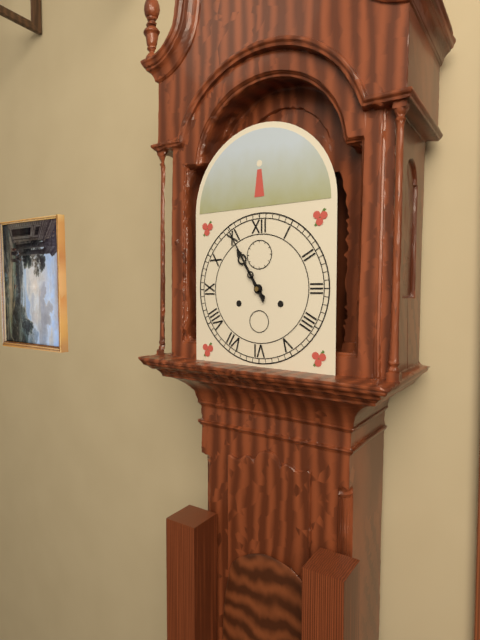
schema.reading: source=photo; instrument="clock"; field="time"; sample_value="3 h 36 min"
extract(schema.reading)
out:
10 h 55 min
